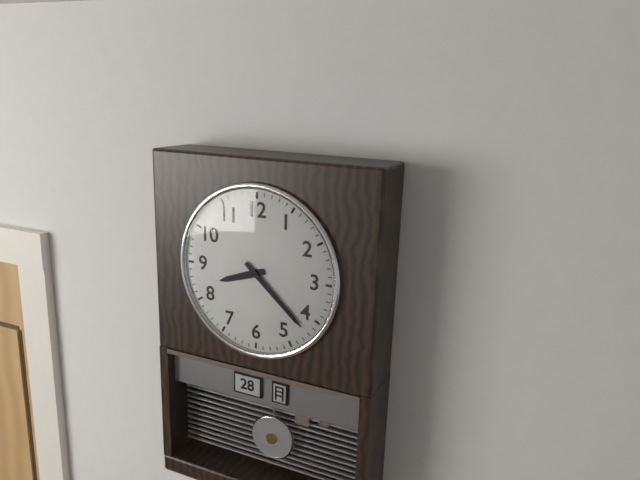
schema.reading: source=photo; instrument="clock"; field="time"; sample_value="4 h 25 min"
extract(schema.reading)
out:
8 h 22 min
